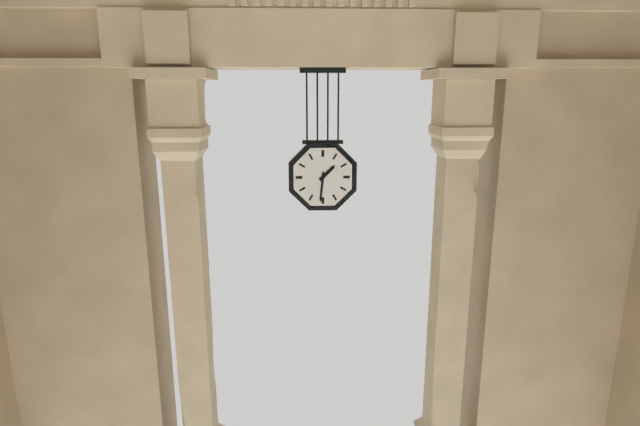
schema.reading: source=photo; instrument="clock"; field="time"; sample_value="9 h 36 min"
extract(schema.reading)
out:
1 h 31 min
